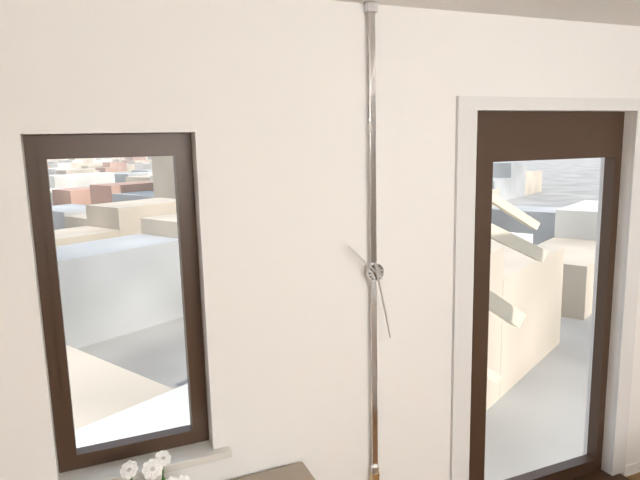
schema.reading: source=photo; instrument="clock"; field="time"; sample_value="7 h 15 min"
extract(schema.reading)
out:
10 h 28 min
